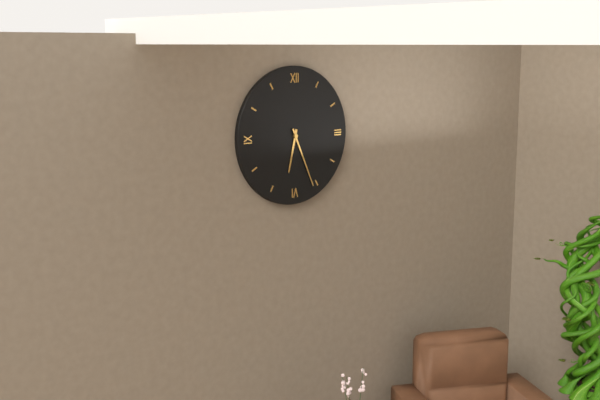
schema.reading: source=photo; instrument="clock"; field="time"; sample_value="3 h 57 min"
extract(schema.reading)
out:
6 h 26 min
